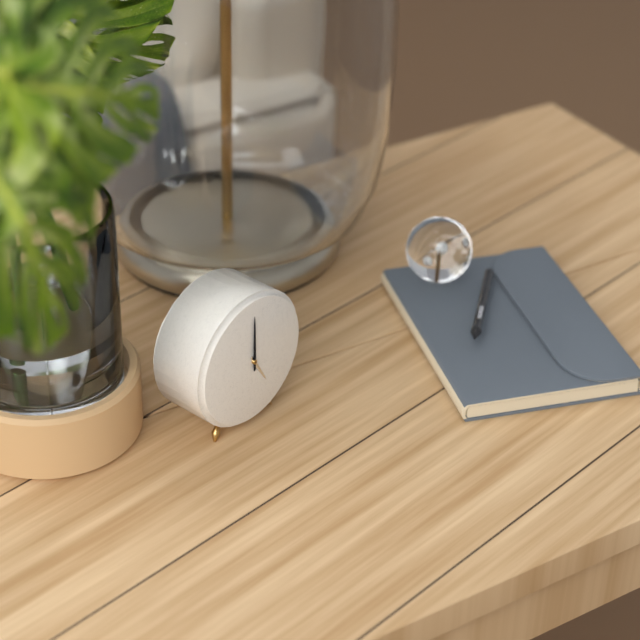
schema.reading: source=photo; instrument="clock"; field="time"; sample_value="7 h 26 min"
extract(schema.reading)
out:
5 h 00 min
